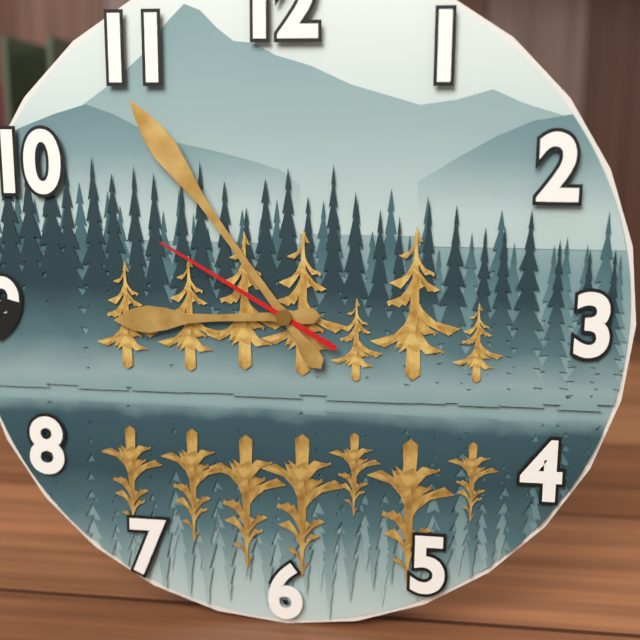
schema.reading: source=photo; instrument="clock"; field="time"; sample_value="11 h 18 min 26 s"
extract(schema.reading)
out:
8 h 54 min 50 s
